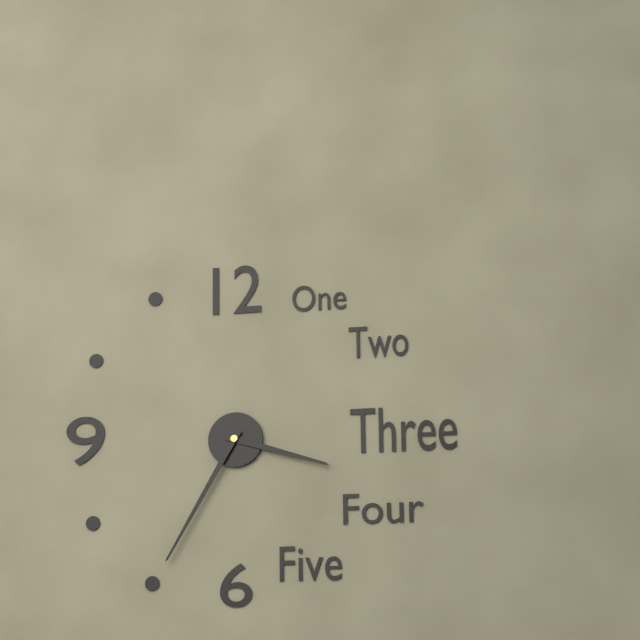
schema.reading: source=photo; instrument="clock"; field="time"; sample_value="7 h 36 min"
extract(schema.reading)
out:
3 h 35 min
